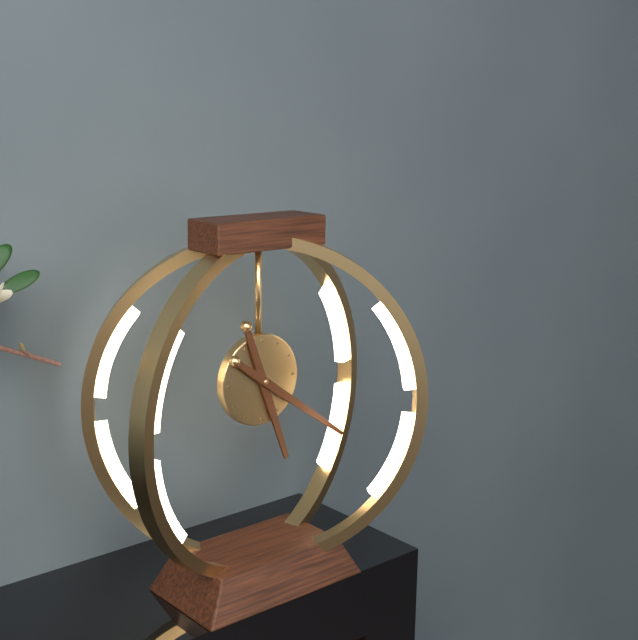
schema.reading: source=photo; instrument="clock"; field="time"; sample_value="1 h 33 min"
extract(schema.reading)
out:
5 h 21 min
